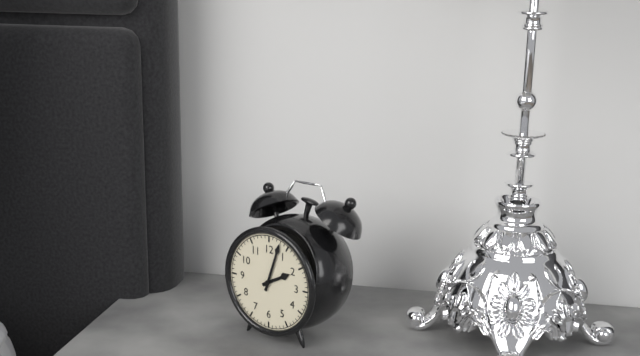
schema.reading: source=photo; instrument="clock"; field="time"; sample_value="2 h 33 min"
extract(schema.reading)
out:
2 h 03 min
